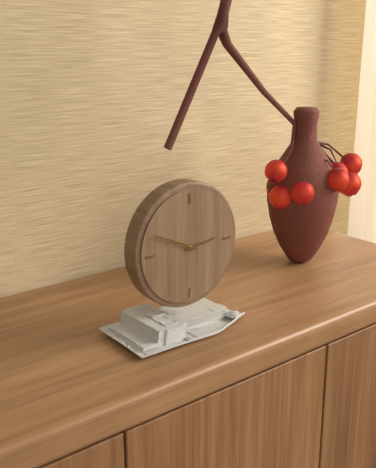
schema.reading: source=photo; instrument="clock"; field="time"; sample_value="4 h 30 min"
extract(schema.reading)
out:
2 h 49 min
